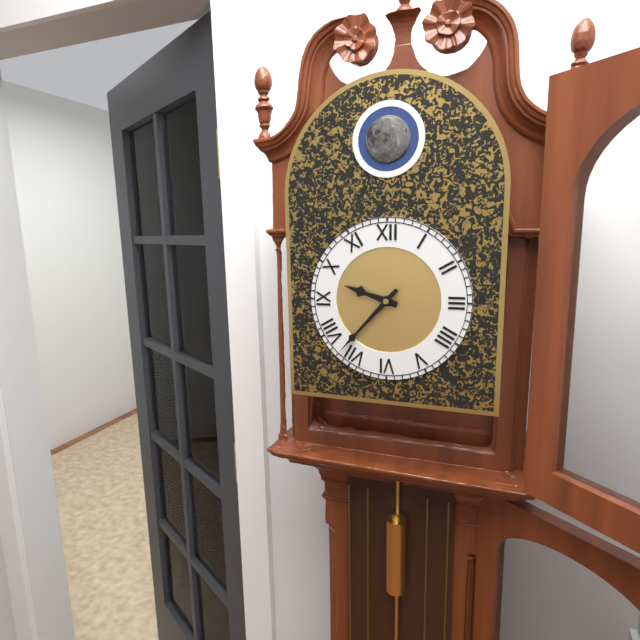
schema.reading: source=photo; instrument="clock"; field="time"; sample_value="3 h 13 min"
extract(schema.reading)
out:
9 h 37 min
